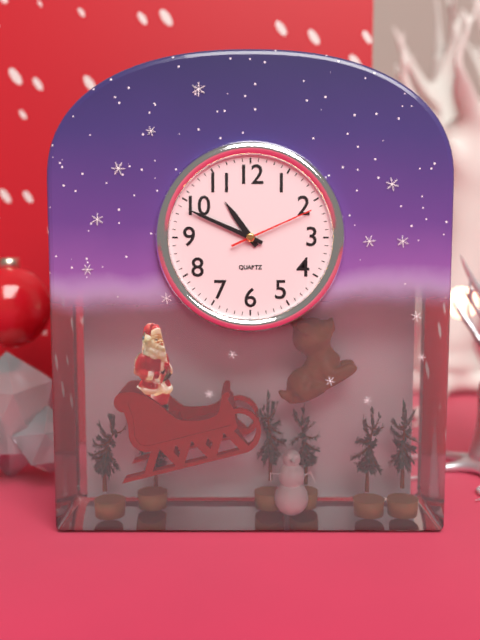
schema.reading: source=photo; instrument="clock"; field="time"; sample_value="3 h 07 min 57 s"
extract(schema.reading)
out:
10 h 49 min 11 s
